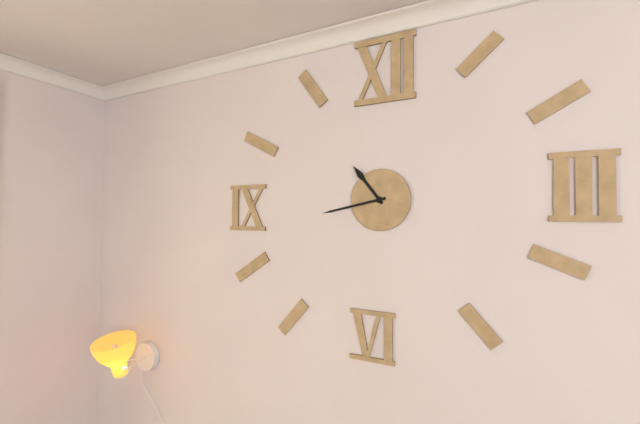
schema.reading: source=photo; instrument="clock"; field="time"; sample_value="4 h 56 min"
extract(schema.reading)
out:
10 h 43 min
